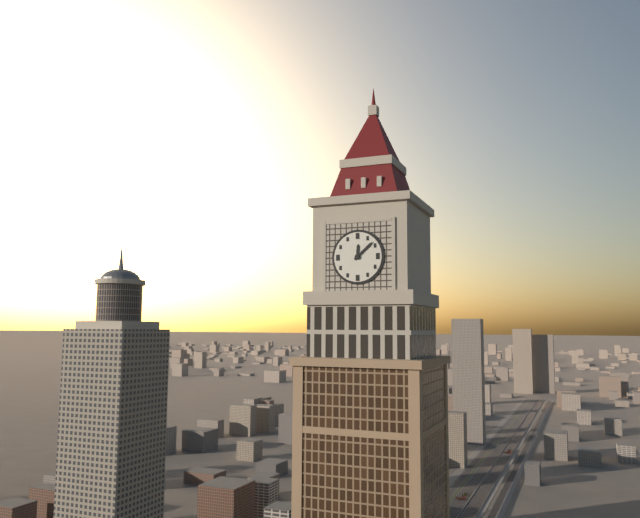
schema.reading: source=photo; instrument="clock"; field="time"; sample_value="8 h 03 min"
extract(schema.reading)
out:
12 h 08 min
